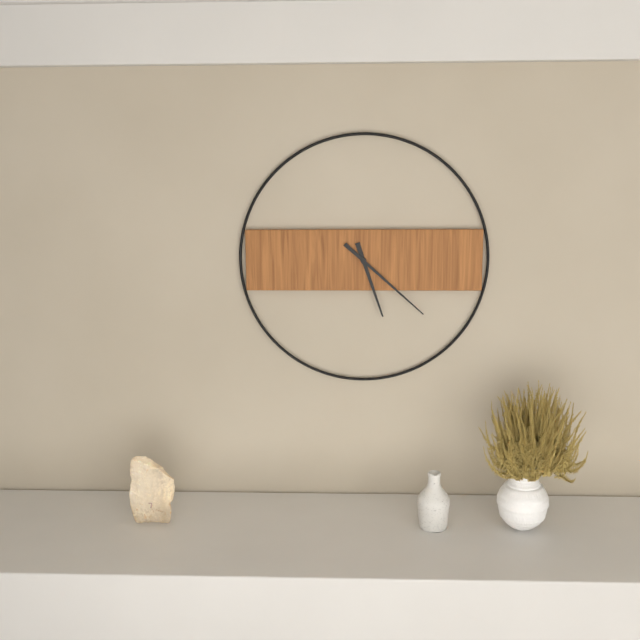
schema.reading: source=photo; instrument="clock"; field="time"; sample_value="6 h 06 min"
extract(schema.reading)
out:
5 h 22 min
